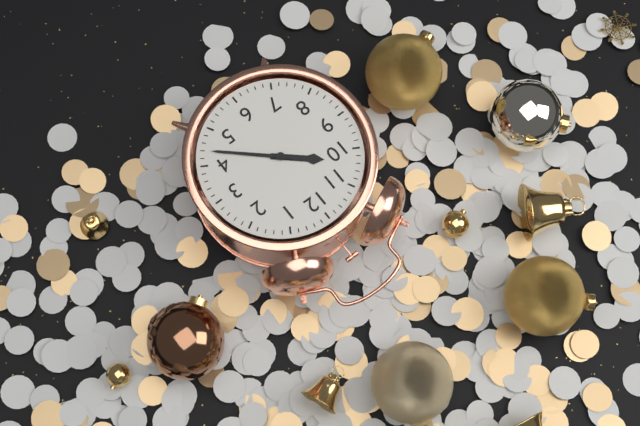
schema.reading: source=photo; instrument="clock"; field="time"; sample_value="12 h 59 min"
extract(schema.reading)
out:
10 h 22 min
